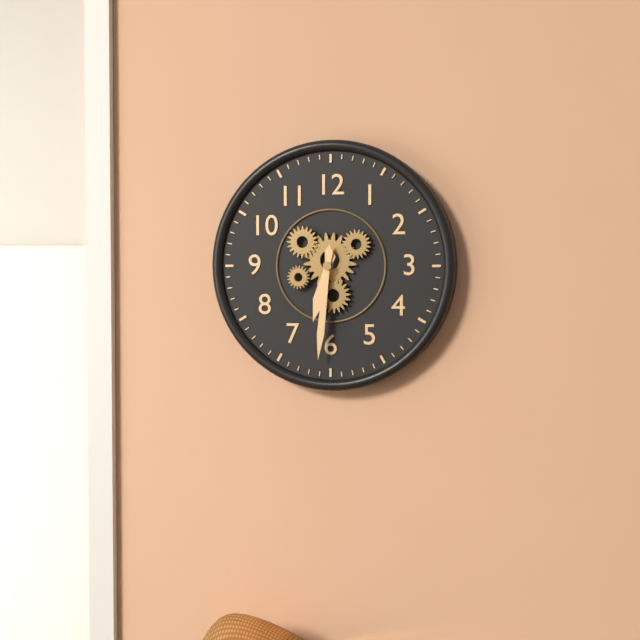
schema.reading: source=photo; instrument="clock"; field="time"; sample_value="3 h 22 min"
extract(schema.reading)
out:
6 h 31 min
